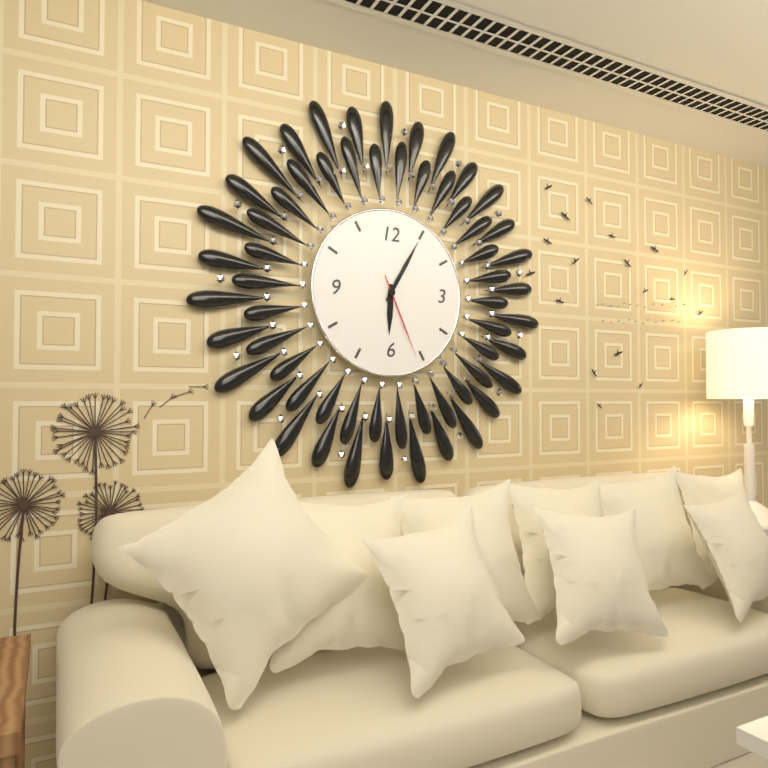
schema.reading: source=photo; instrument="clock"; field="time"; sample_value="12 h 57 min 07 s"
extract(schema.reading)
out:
6 h 05 min 26 s
